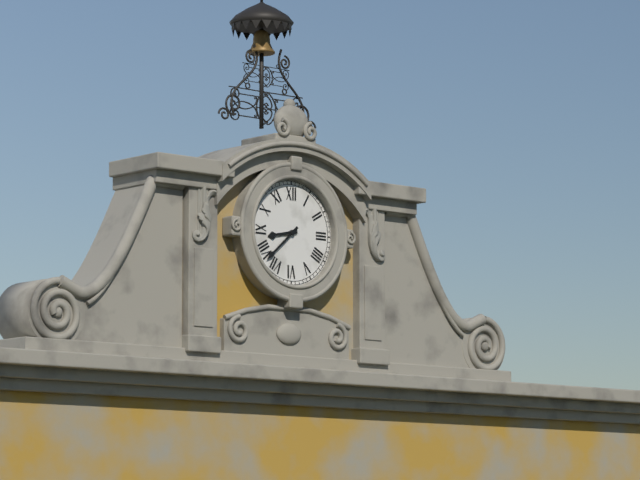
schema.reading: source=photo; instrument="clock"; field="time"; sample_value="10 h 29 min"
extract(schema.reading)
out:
8 h 38 min
